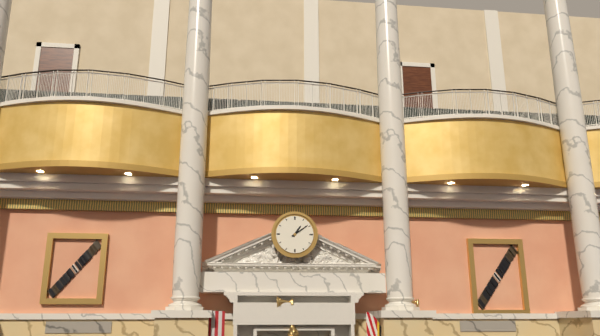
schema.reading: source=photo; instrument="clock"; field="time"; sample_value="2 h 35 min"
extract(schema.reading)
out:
1 h 09 min
